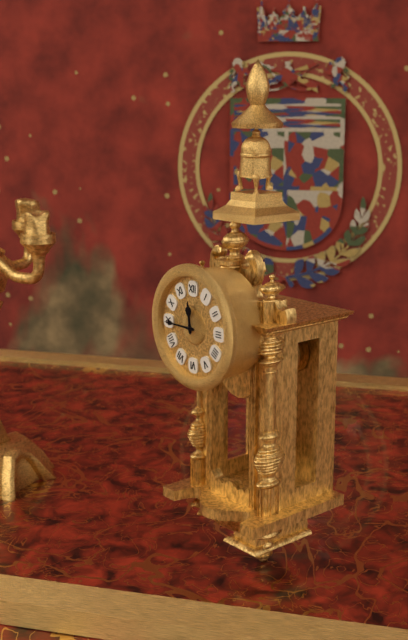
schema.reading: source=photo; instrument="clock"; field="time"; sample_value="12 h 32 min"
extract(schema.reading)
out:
11 h 45 min
